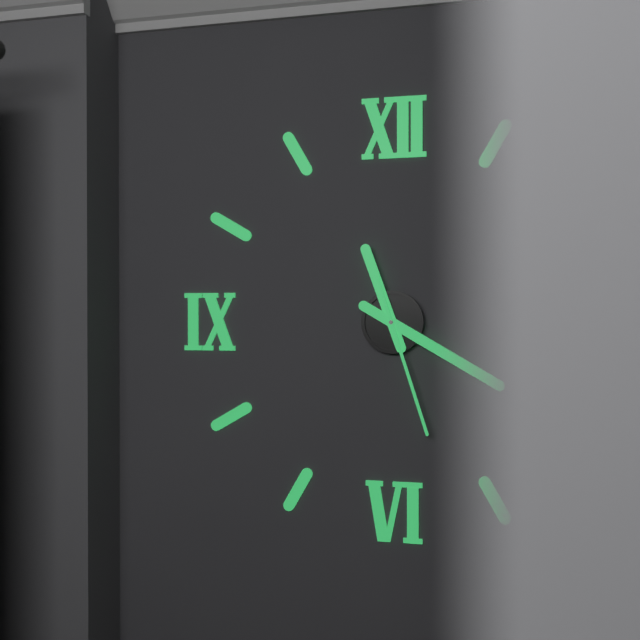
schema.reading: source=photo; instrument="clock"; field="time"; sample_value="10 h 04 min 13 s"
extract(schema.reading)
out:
11 h 20 min 27 s
